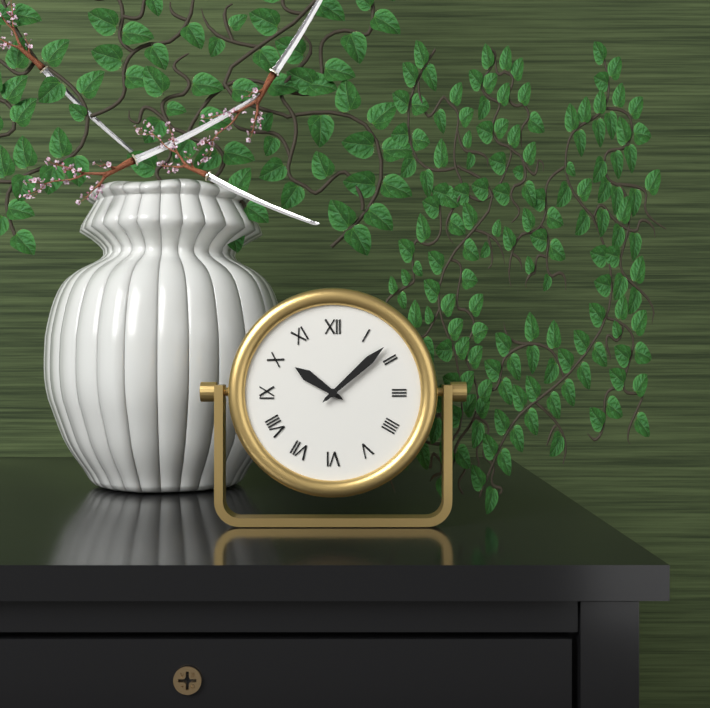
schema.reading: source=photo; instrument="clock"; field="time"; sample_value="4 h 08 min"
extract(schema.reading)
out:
10 h 08 min
